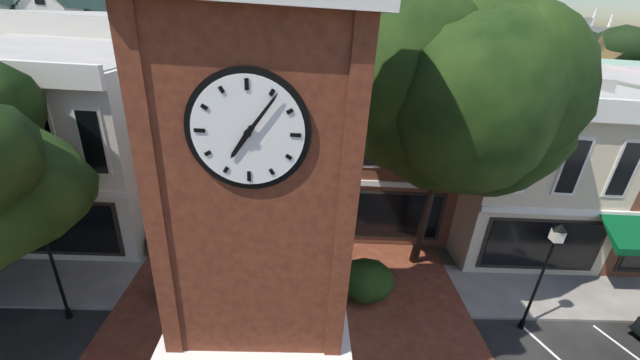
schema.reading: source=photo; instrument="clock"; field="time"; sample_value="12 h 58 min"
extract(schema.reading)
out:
7 h 06 min
